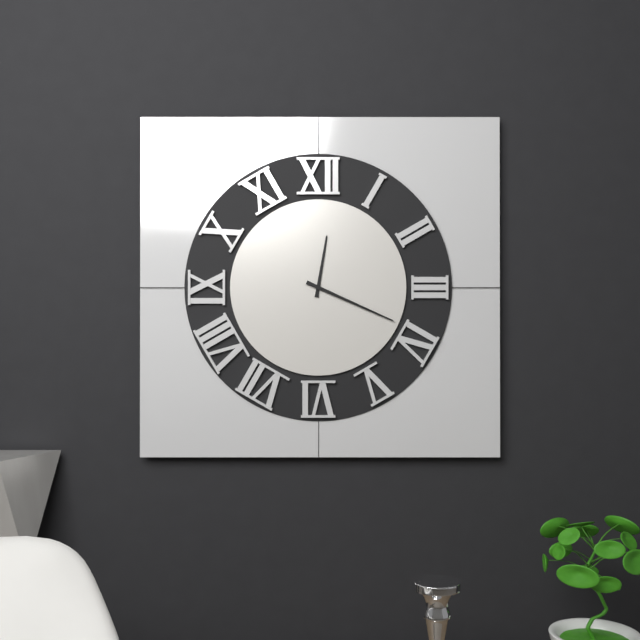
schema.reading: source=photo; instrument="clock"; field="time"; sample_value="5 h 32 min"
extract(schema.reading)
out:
12 h 19 min
